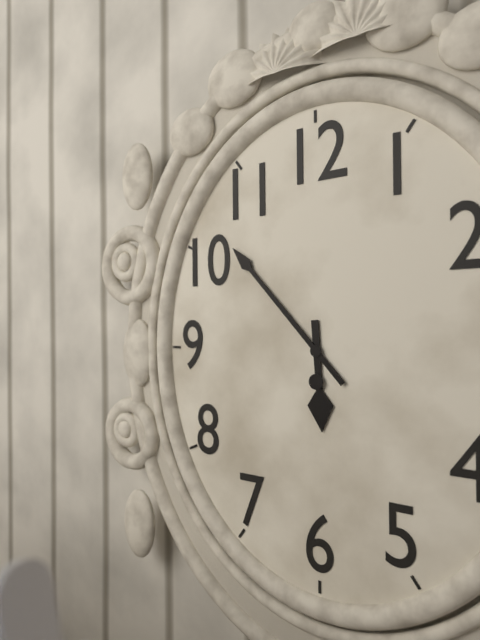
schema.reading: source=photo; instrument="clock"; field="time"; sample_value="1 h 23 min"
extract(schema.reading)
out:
5 h 53 min
